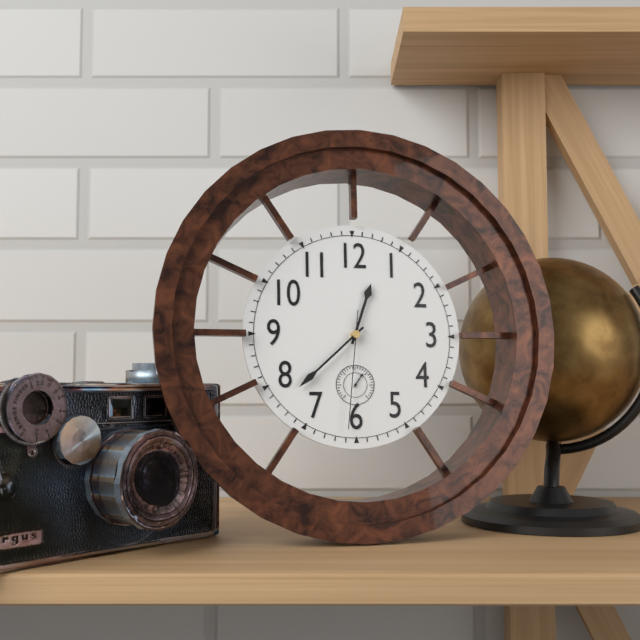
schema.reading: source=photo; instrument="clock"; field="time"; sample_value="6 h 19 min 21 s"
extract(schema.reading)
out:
12 h 38 min 31 s
